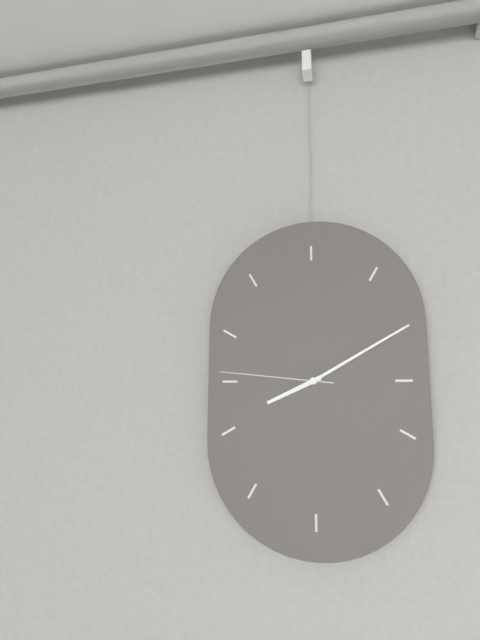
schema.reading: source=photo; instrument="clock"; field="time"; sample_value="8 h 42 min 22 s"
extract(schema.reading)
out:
8 h 10 min 46 s
